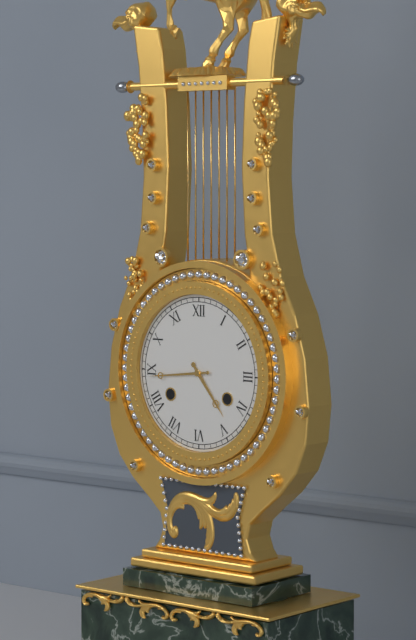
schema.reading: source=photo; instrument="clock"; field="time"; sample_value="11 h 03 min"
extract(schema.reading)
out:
4 h 44 min
